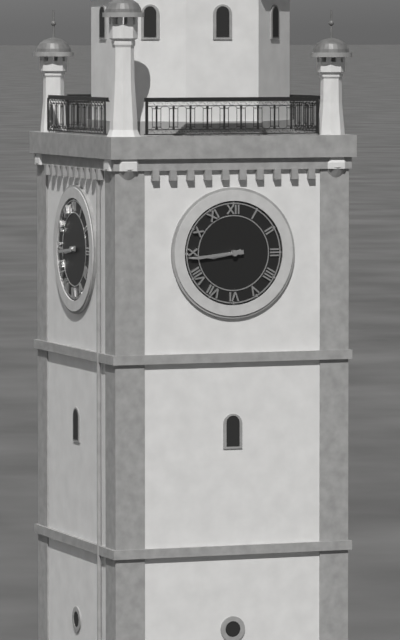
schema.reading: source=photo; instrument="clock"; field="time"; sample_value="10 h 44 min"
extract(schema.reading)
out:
8 h 44 min
